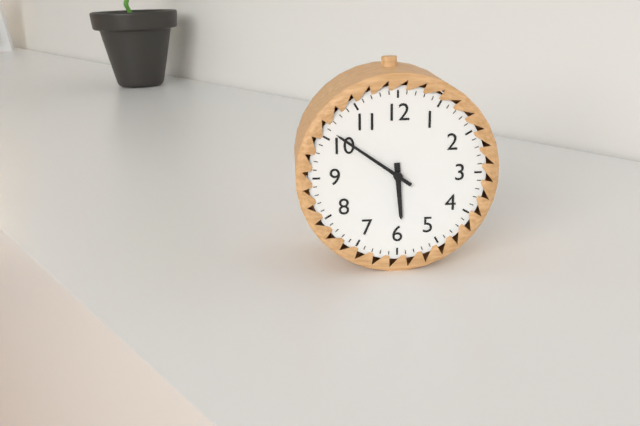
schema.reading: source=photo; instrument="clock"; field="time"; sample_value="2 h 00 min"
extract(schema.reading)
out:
5 h 51 min
